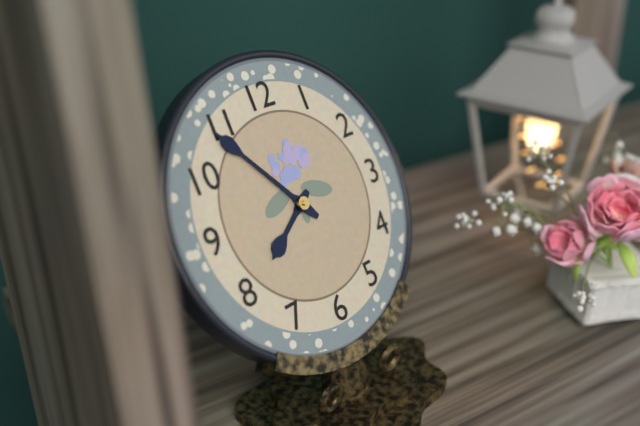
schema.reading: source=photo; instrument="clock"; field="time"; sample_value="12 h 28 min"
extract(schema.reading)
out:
7 h 54 min
